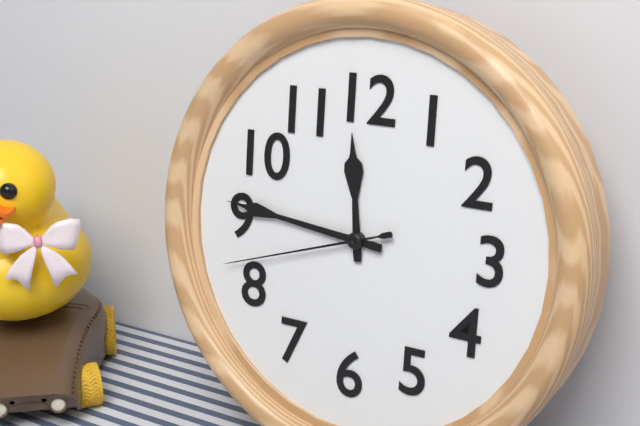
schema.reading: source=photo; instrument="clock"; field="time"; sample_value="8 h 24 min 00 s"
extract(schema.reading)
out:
11 h 46 min 42 s
